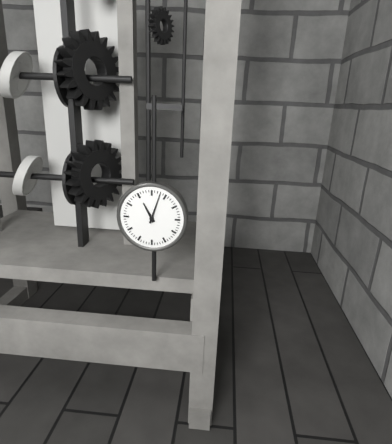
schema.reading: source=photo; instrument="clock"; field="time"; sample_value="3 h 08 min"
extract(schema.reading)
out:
11 h 03 min
